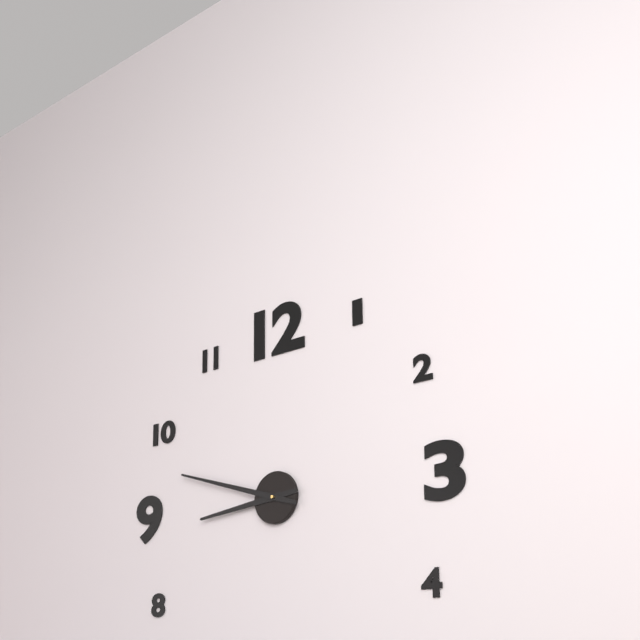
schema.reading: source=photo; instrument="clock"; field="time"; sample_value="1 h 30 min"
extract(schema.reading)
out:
8 h 48 min
